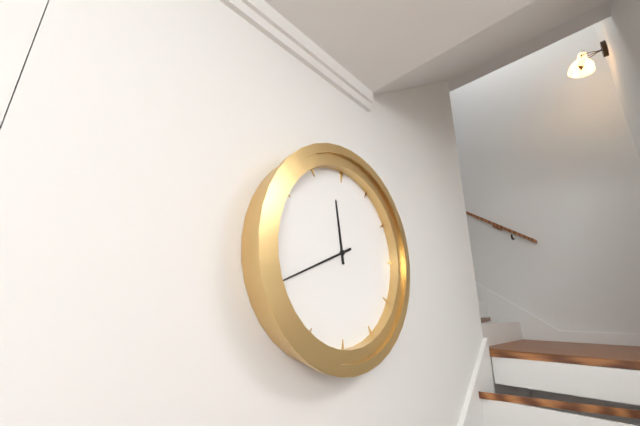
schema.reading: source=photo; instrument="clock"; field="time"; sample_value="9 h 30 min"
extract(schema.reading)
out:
11 h 41 min
